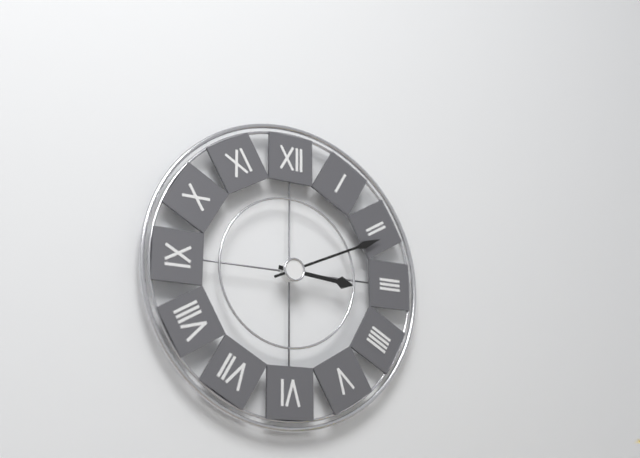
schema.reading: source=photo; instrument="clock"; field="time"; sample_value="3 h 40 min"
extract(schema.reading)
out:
3 h 11 min
